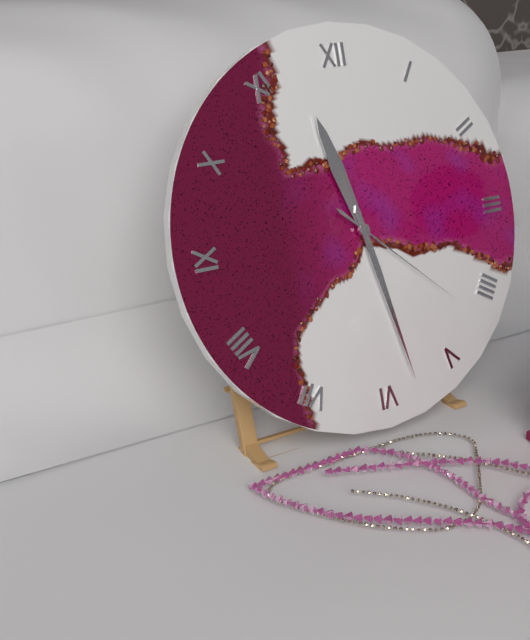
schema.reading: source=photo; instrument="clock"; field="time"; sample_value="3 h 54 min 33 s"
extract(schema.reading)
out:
11 h 28 min 22 s
